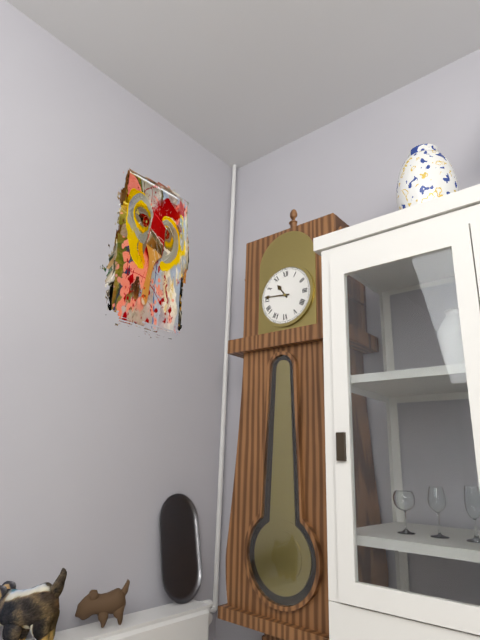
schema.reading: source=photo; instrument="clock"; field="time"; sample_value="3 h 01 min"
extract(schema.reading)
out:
10 h 46 min
